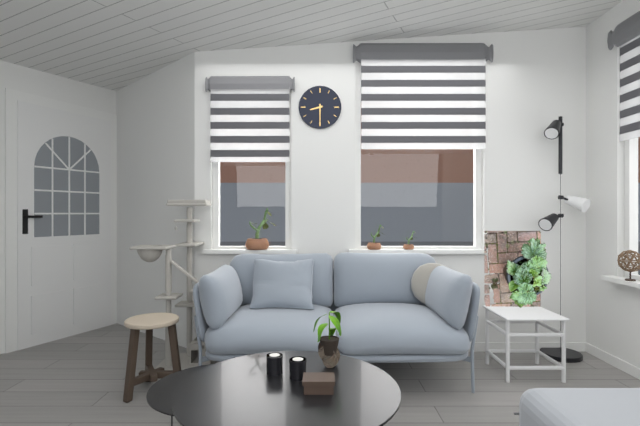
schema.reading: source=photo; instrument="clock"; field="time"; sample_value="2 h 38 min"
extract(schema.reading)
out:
8 h 30 min
